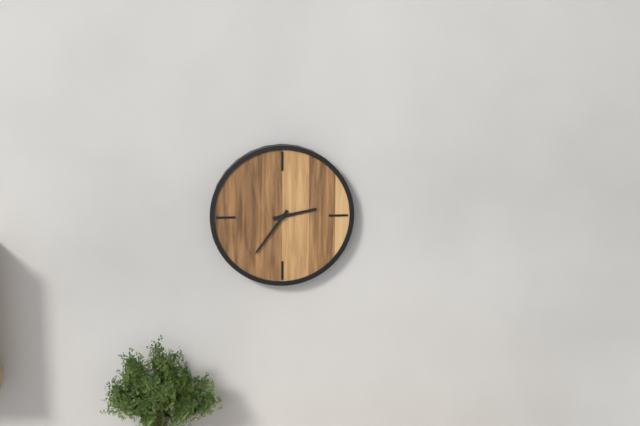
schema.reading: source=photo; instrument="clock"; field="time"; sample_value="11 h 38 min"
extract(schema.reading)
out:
2 h 36 min
